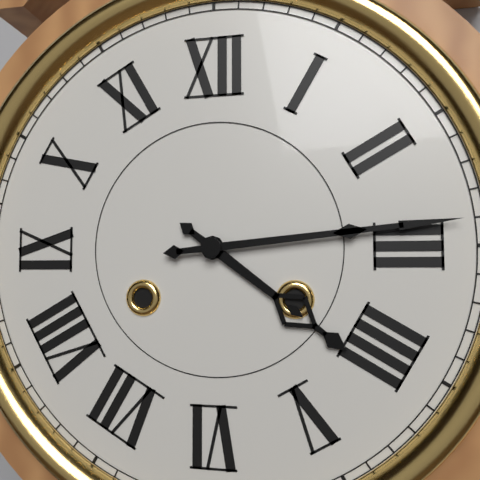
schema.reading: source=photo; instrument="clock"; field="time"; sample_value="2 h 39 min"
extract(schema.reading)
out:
4 h 14 min
